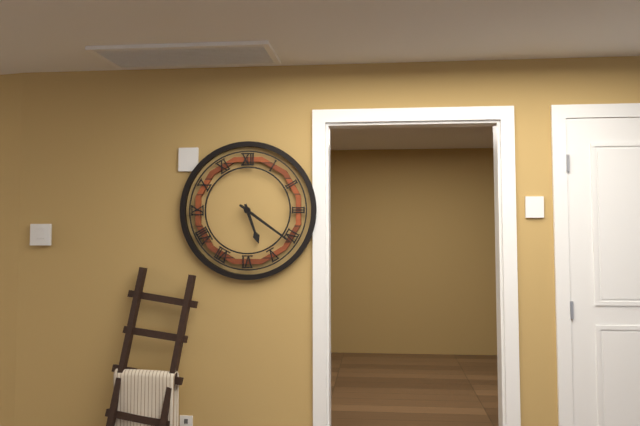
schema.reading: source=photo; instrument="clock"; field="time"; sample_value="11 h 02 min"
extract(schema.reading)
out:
5 h 21 min
